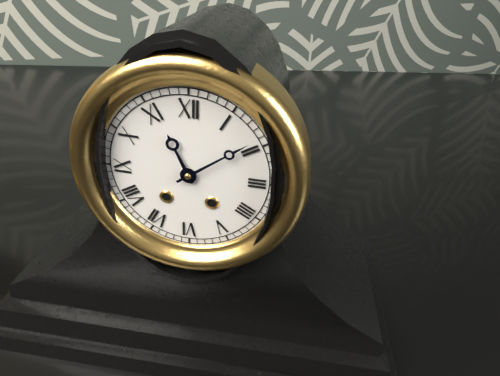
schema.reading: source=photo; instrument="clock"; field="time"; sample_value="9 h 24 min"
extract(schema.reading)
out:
11 h 09 min
